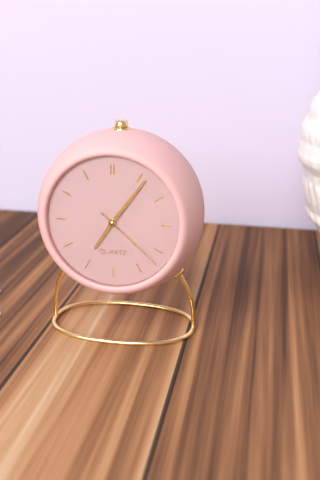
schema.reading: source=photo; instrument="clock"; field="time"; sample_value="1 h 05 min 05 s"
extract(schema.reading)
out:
7 h 06 min 22 s
